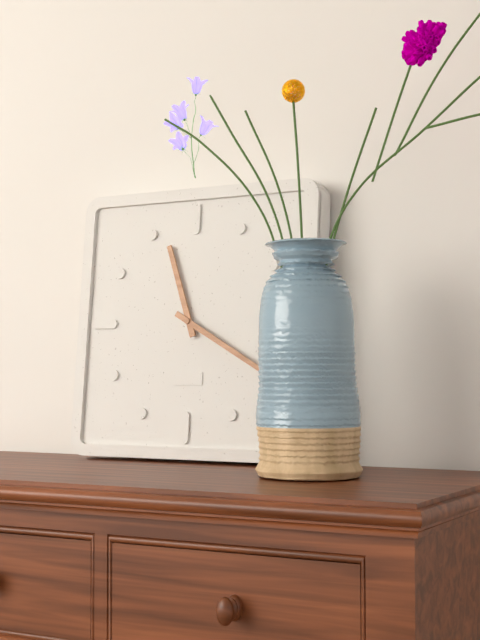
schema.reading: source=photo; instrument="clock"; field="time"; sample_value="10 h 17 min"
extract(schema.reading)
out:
11 h 20 min
